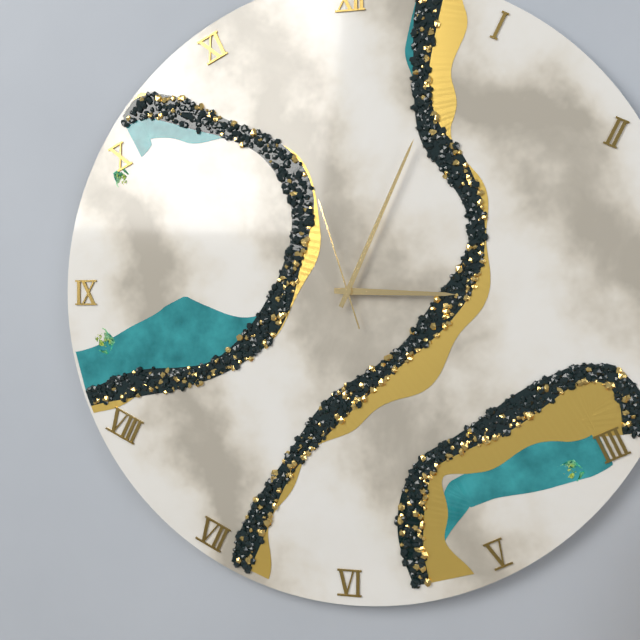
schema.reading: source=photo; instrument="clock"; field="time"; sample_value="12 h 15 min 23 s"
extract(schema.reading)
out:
3 h 04 min 57 s
